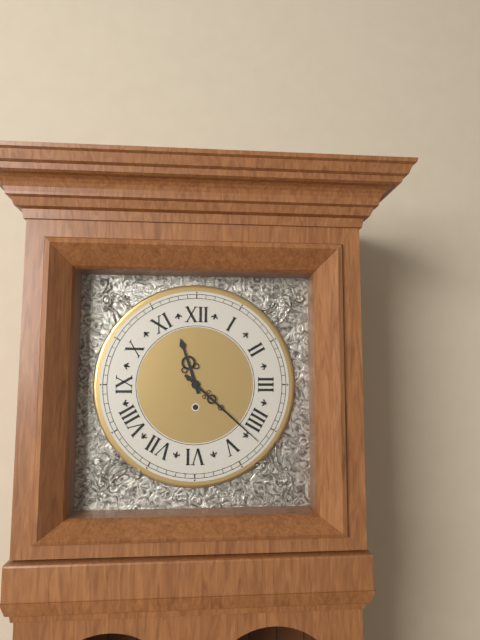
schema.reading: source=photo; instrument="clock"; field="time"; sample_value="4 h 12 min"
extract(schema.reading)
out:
11 h 22 min
